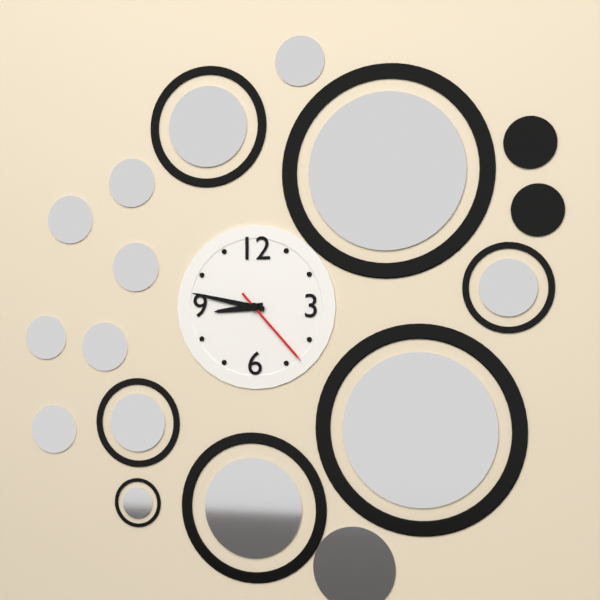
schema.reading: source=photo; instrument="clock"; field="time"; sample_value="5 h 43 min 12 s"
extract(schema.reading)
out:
8 h 47 min 23 s
